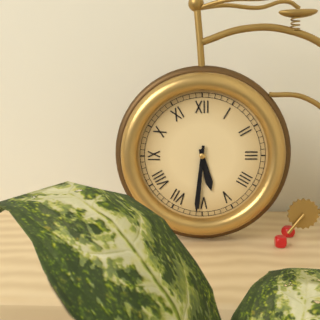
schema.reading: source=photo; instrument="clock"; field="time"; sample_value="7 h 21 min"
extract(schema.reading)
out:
5 h 31 min
